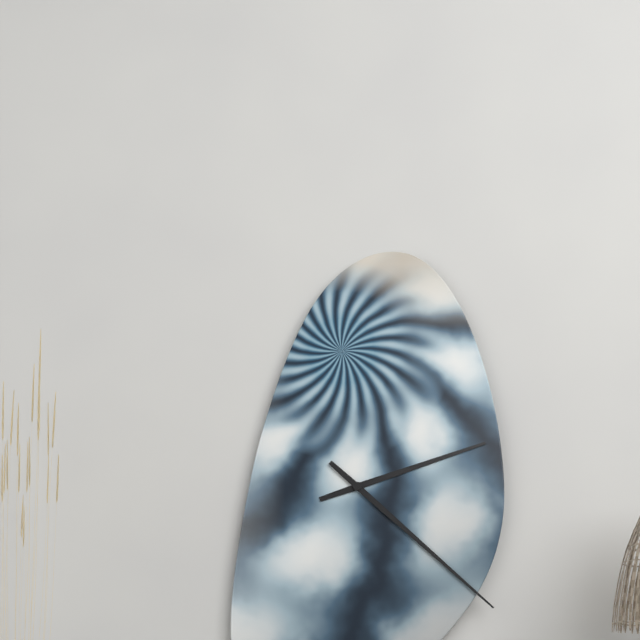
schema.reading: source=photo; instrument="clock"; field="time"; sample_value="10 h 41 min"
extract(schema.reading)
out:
2 h 22 min
